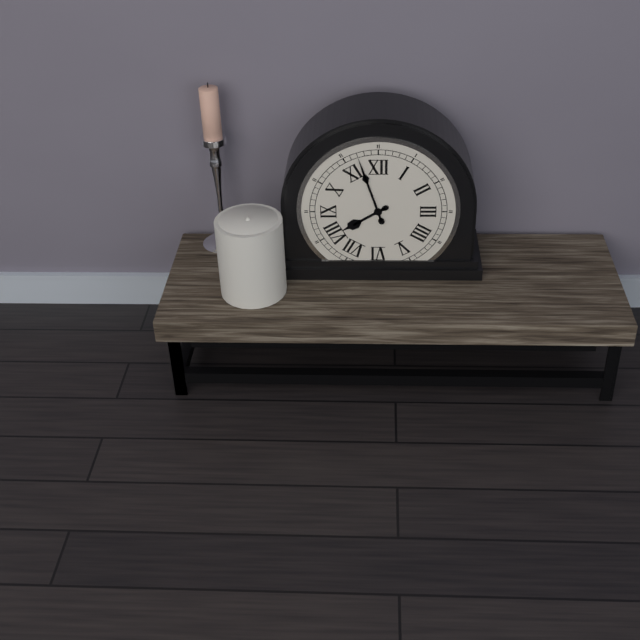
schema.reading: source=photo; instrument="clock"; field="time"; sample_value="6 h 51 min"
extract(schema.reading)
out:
7 h 57 min
